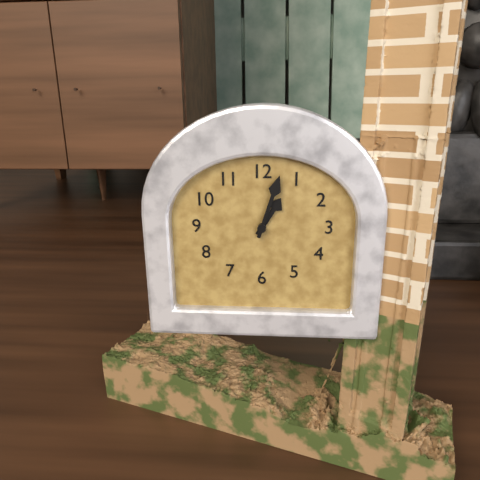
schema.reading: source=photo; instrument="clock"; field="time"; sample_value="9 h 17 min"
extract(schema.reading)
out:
1 h 03 min
